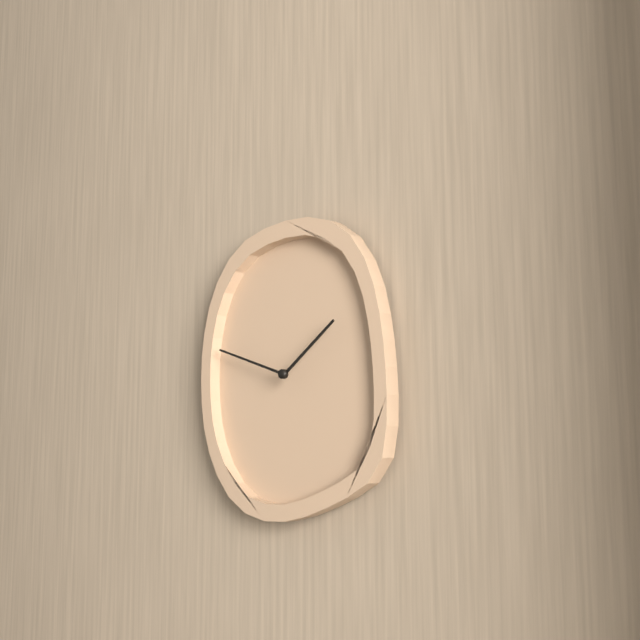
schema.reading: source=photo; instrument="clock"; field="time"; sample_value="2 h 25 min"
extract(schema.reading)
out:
1 h 48 min
